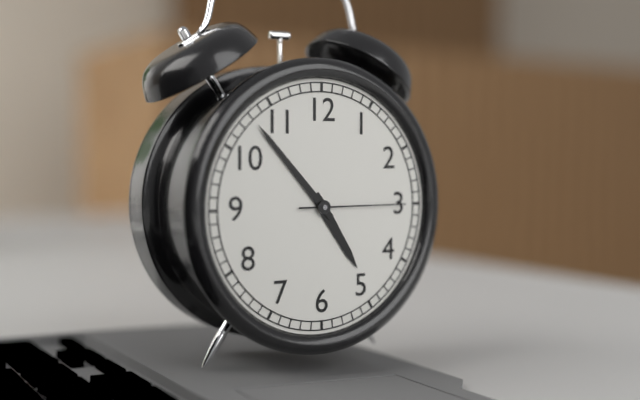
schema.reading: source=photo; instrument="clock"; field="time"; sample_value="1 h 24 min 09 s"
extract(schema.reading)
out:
4 h 53 min 15 s
